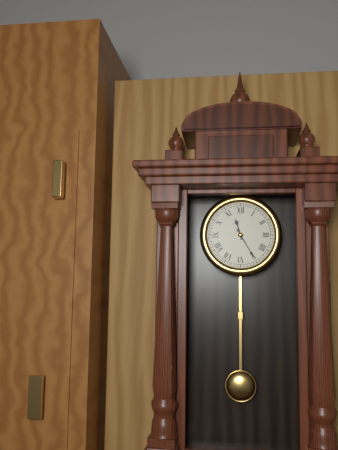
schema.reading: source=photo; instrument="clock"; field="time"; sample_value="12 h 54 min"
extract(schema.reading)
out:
11 h 25 min
